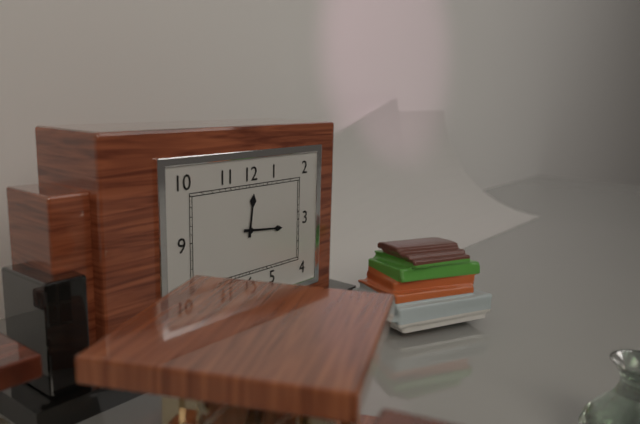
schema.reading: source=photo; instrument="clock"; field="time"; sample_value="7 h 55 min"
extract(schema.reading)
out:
12 h 16 min
